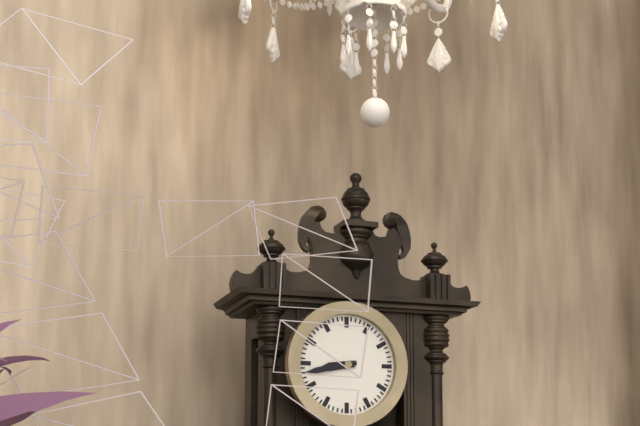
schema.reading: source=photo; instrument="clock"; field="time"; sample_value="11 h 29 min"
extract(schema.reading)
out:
8 h 43 min
